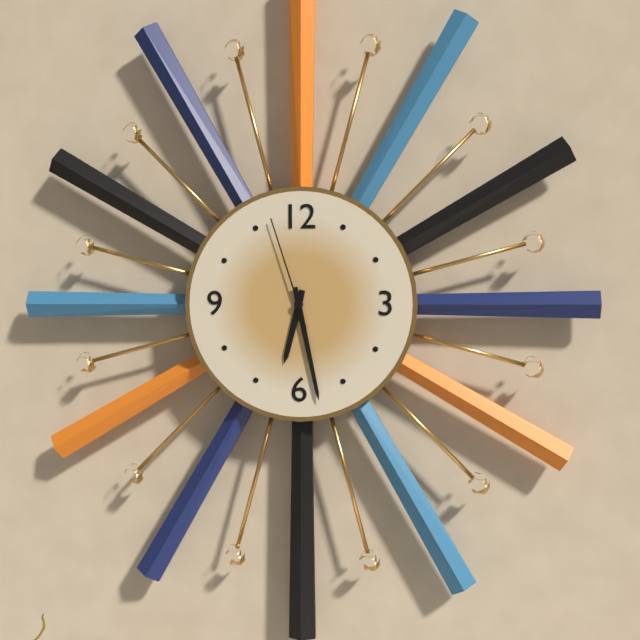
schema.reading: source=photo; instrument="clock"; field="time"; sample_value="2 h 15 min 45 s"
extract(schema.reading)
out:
6 h 28 min 57 s
